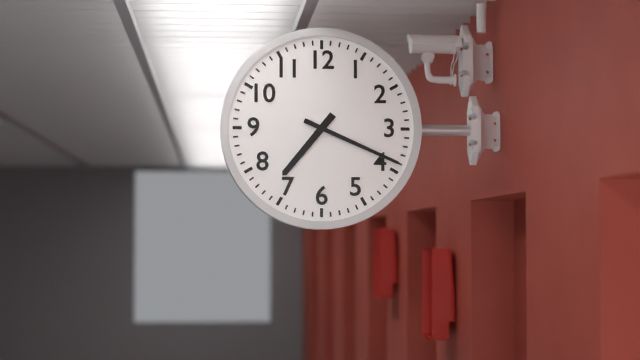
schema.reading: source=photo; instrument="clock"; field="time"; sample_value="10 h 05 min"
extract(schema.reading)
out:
7 h 19 min
